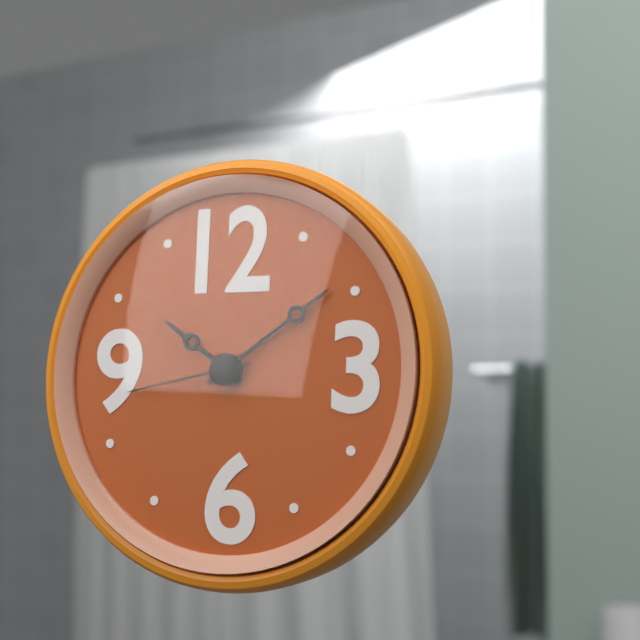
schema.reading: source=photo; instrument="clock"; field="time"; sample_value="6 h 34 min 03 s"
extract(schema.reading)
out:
10 h 09 min 43 s
